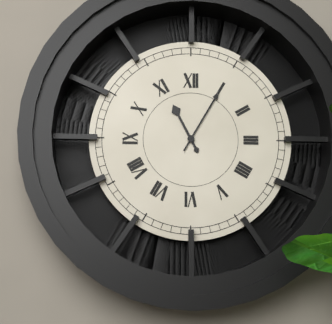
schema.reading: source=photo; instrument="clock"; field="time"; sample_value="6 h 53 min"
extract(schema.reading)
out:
11 h 05 min
